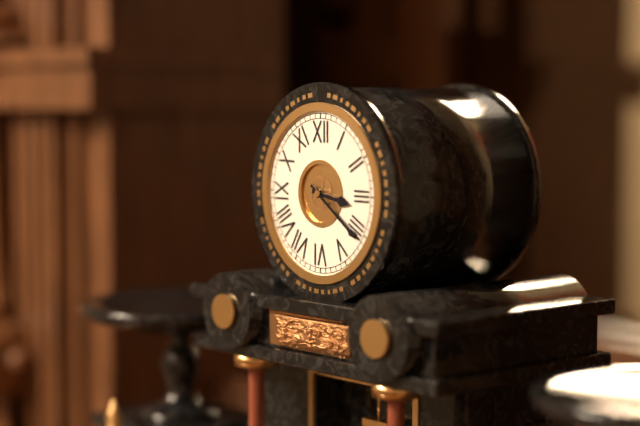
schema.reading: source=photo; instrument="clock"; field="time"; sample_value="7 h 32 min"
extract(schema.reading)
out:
3 h 21 min
